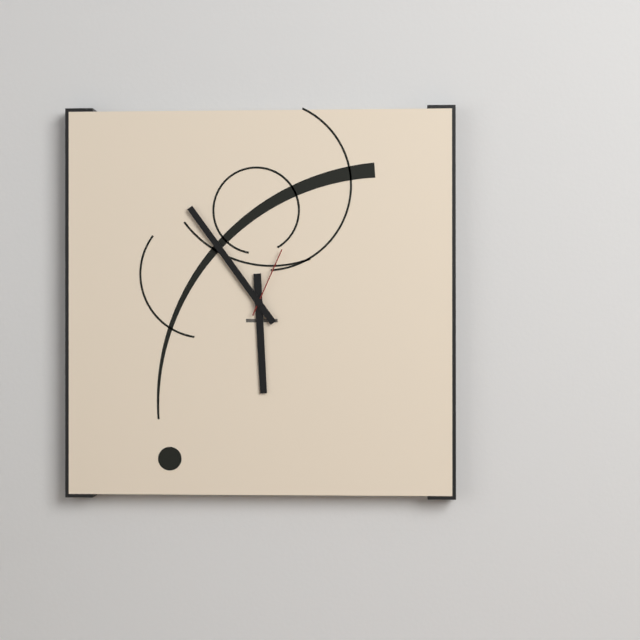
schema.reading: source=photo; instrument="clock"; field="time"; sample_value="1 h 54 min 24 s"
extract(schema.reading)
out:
5 h 54 min 04 s
